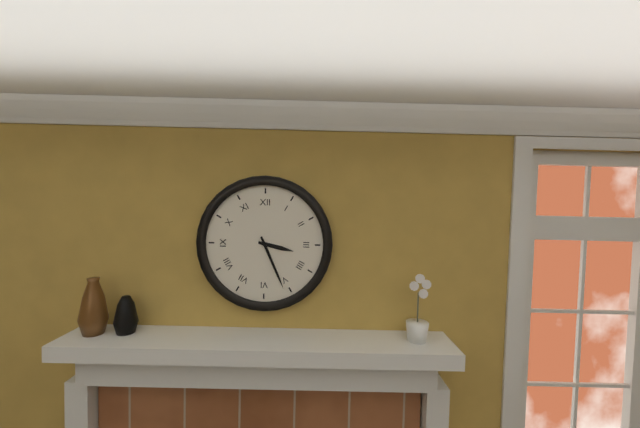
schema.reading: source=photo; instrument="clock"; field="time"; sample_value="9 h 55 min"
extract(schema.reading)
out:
3 h 26 min
